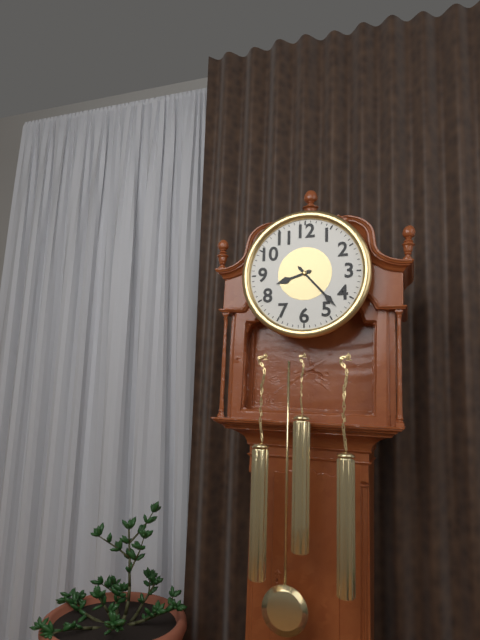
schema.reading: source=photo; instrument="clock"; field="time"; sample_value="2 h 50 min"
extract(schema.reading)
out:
8 h 23 min
